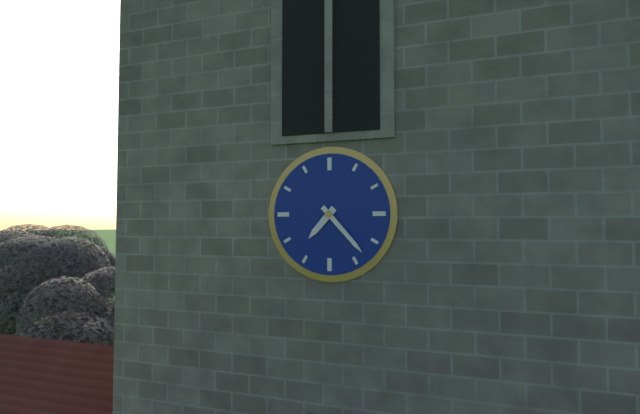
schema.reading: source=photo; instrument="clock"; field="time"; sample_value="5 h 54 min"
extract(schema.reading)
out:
7 h 23 min
